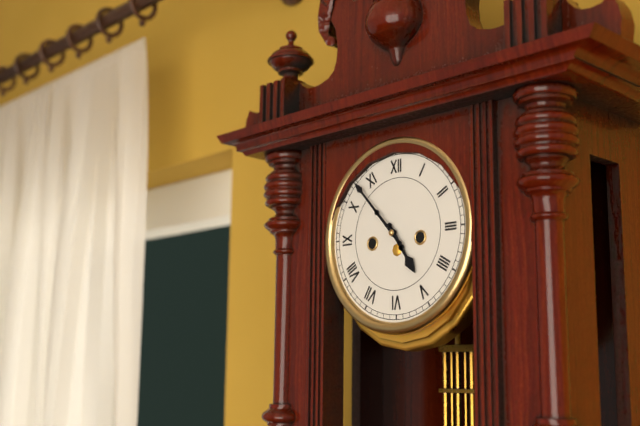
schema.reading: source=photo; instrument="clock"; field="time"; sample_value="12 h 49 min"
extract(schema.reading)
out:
4 h 53 min
